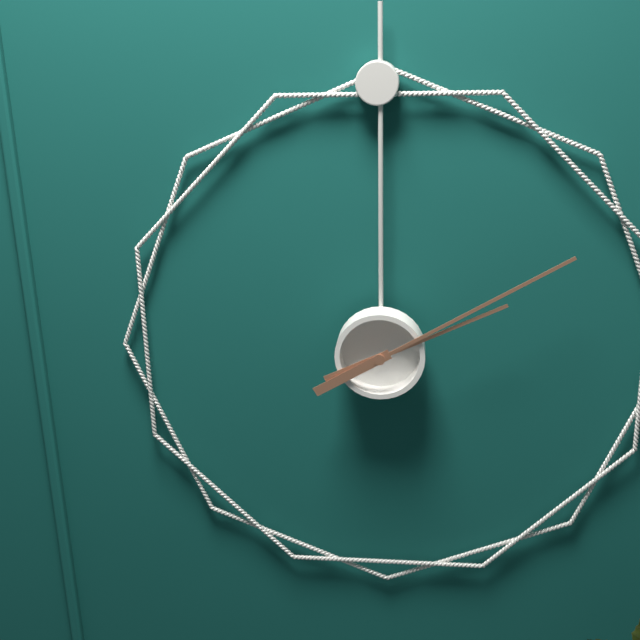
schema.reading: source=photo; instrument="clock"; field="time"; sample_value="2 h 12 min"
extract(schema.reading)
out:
2 h 10 min
